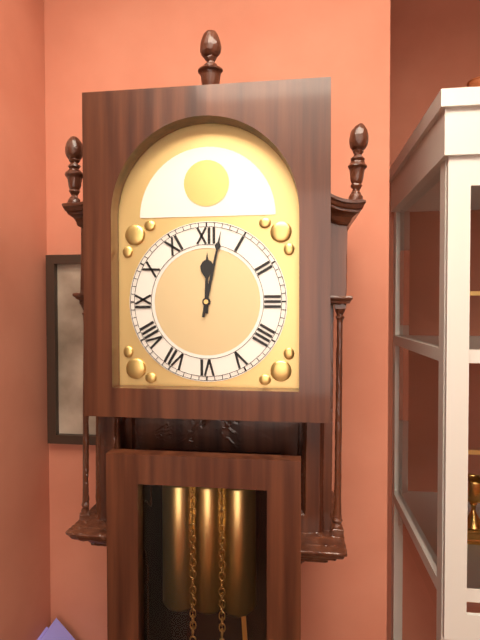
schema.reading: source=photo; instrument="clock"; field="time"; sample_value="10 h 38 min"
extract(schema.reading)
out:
12 h 02 min
